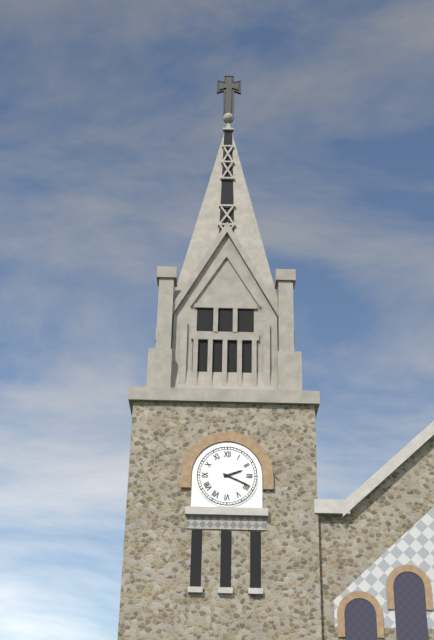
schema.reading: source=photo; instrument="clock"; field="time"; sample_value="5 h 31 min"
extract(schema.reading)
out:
2 h 19 min
